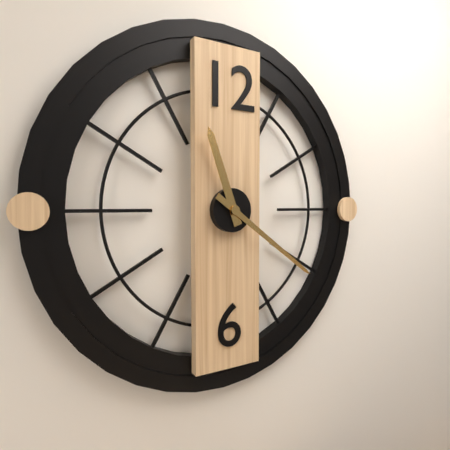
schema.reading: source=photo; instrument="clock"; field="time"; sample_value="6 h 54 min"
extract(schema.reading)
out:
11 h 21 min
